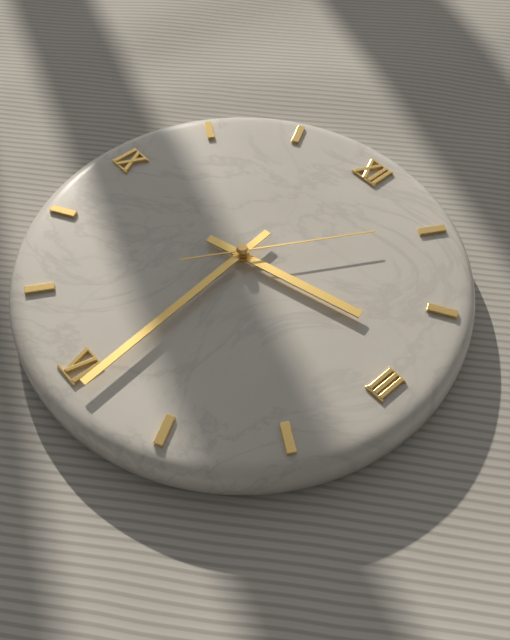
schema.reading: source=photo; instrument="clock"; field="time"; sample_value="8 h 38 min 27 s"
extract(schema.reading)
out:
2 h 29 min 05 s
